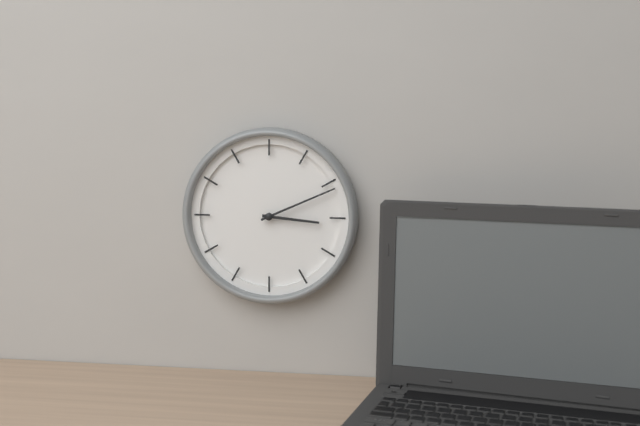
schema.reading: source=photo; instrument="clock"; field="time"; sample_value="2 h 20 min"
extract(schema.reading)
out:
3 h 11 min
